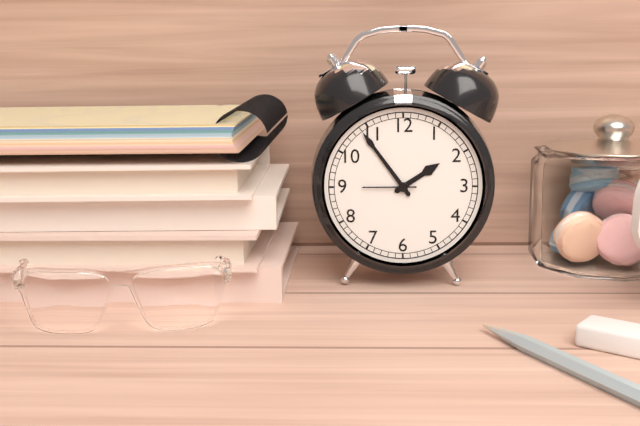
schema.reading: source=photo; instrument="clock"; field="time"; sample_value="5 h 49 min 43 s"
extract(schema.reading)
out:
1 h 54 min 45 s
